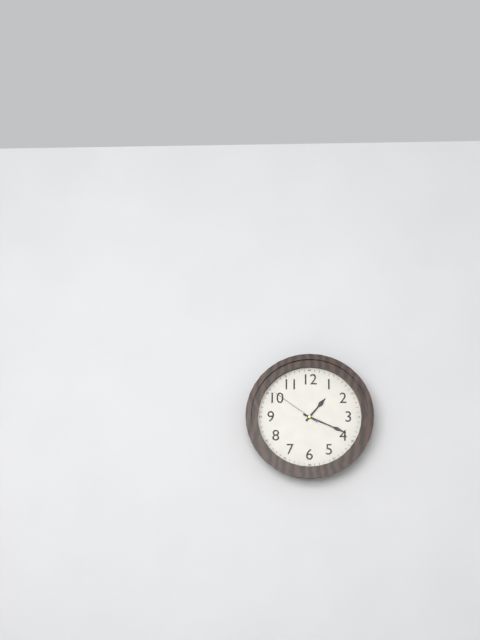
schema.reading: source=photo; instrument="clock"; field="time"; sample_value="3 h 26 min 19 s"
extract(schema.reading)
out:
1 h 19 min 51 s
